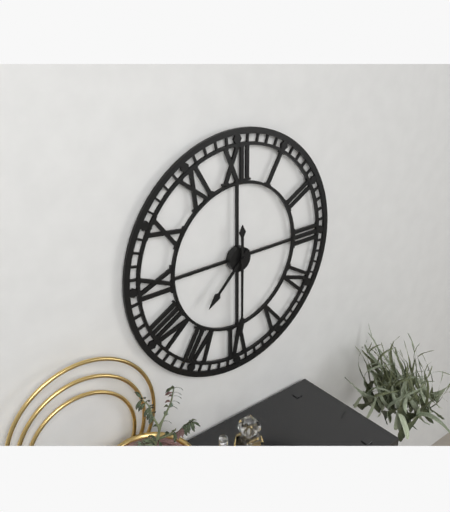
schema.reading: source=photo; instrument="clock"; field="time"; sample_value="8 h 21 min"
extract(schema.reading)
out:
7 h 30 min
